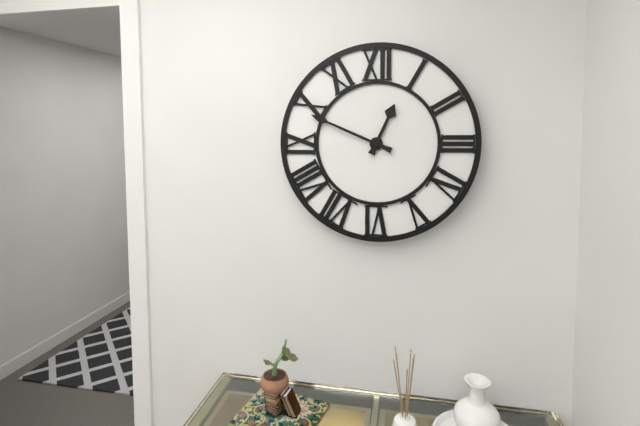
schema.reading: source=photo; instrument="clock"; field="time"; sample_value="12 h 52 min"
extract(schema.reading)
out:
12 h 49 min
